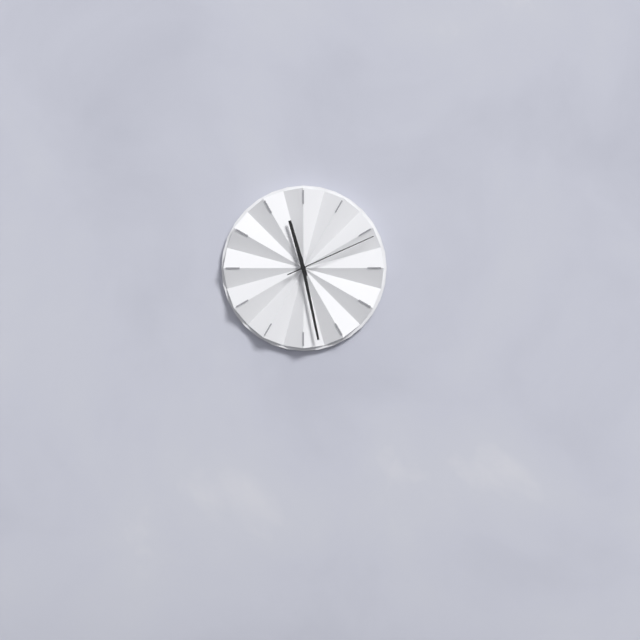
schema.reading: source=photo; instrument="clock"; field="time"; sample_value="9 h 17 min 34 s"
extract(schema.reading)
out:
11 h 28 min 11 s
